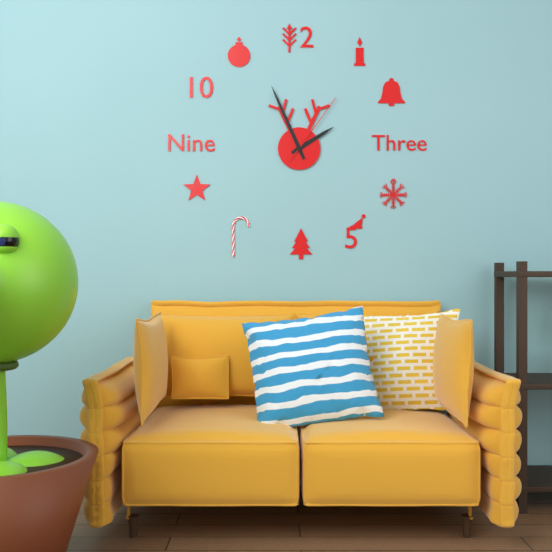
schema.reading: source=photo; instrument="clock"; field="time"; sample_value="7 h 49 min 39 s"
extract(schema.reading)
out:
1 h 56 min 06 s
